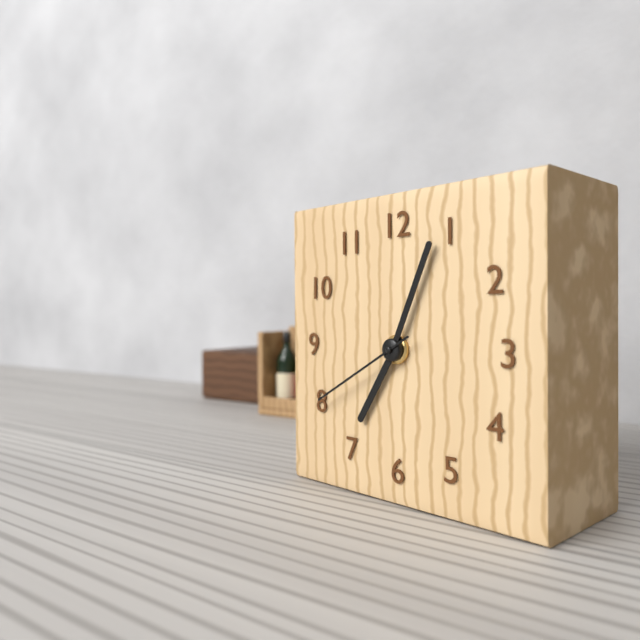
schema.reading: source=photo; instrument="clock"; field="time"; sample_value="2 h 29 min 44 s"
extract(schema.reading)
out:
7 h 04 min 40 s
